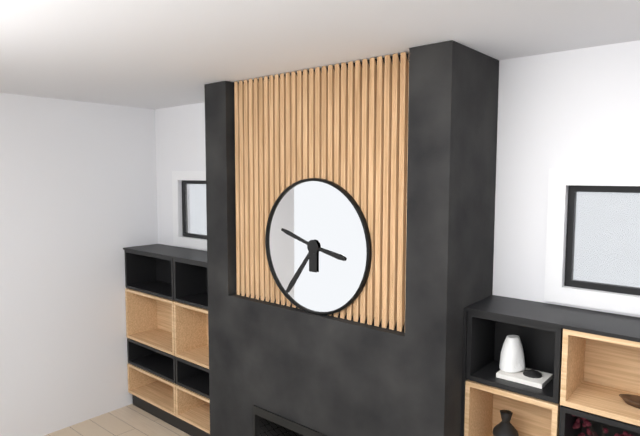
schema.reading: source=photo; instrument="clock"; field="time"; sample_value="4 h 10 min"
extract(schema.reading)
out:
9 h 36 min
